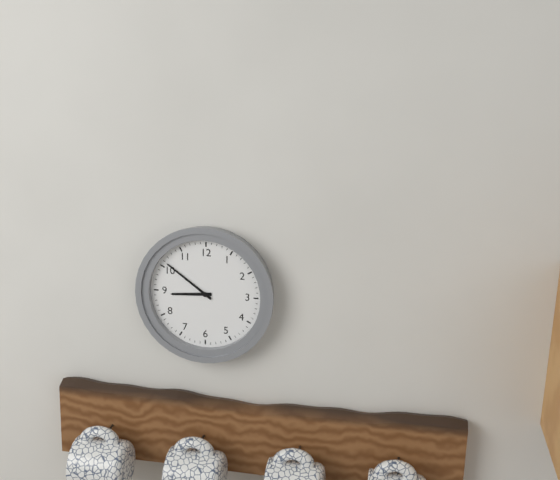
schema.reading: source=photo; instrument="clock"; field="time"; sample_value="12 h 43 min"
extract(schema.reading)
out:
8 h 51 min
